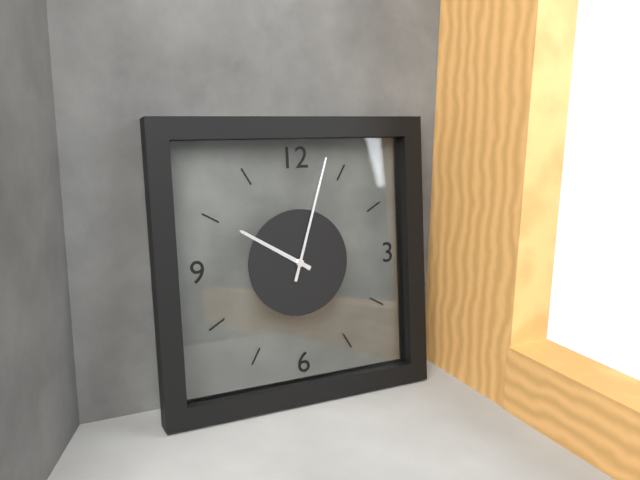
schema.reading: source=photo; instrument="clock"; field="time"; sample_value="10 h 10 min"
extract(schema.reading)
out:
10 h 03 min
